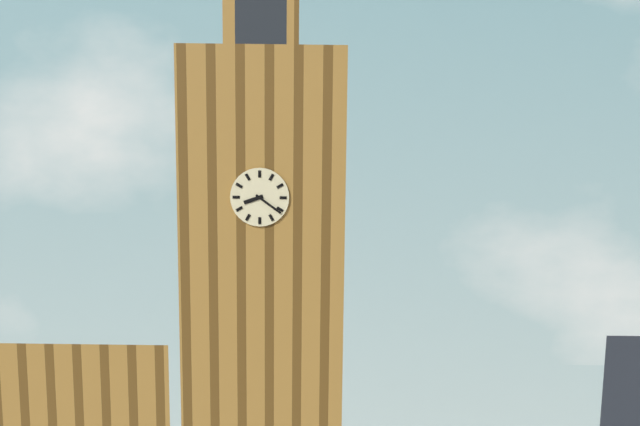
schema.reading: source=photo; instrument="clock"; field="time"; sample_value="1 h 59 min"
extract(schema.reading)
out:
8 h 21 min
